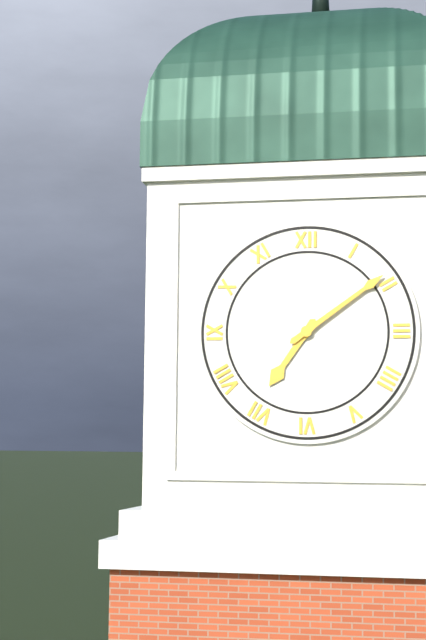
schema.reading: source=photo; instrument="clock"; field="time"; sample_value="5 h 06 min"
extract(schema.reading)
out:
7 h 09 min
